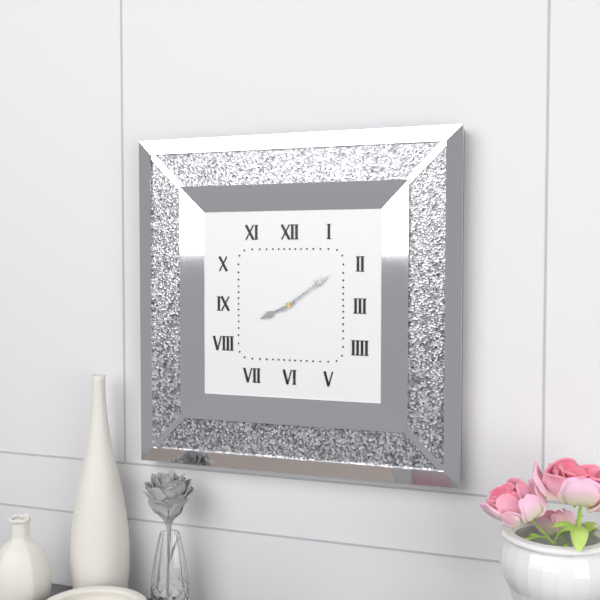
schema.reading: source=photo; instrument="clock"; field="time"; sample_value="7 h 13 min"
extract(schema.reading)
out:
8 h 09 min
